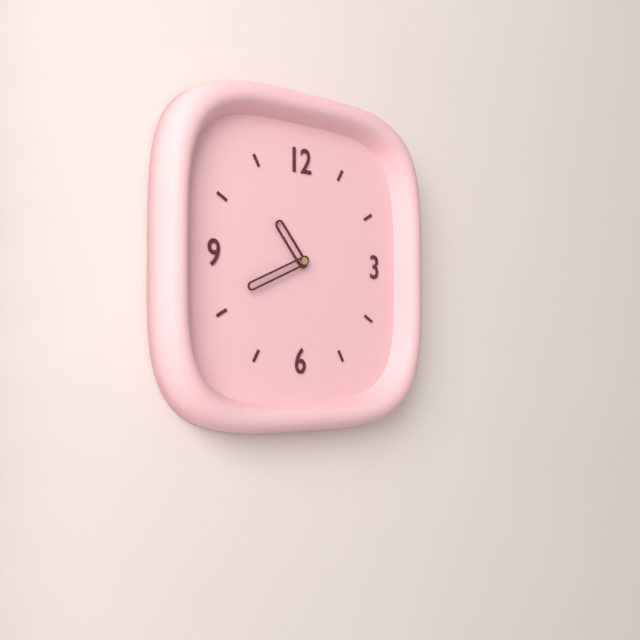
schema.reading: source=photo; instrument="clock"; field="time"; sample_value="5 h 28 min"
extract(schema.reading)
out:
10 h 41 min
